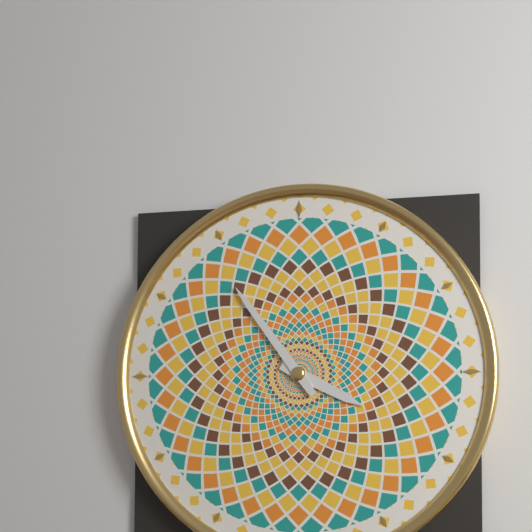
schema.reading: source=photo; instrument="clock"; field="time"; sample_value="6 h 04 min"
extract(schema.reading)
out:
3 h 54 min
